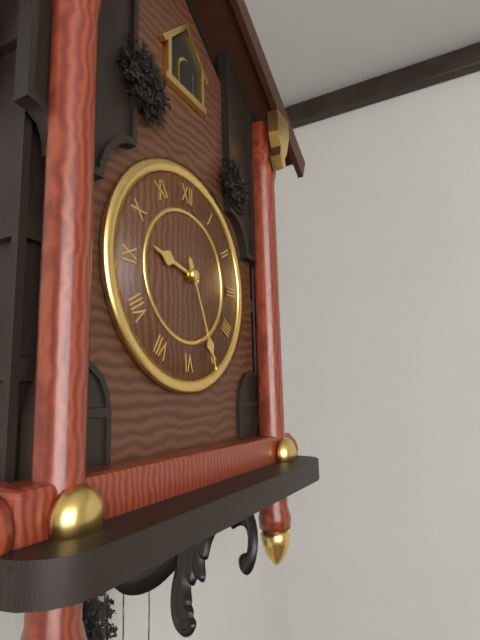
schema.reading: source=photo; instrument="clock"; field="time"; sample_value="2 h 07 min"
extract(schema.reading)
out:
9 h 26 min
